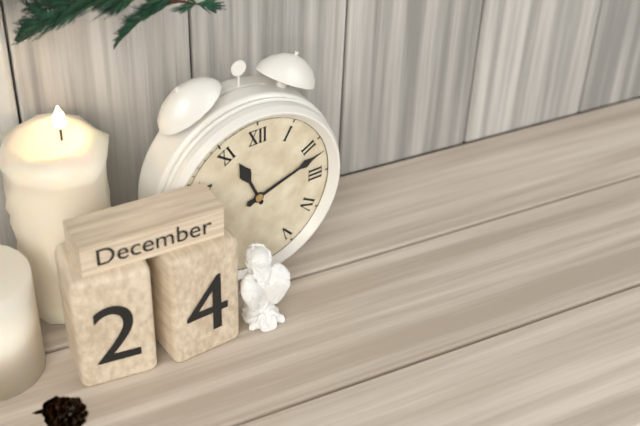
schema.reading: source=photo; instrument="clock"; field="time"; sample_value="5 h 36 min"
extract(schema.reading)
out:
11 h 12 min
